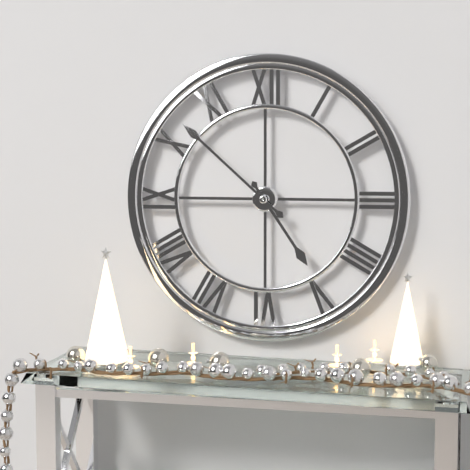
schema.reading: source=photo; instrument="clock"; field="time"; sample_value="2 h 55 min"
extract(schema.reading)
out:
4 h 52 min
